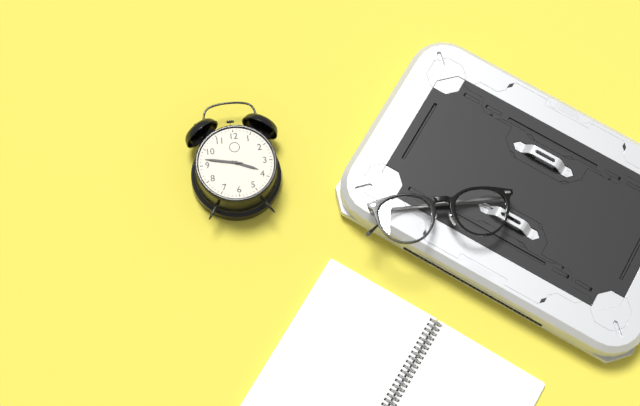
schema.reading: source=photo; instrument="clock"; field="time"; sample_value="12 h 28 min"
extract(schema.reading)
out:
3 h 47 min
